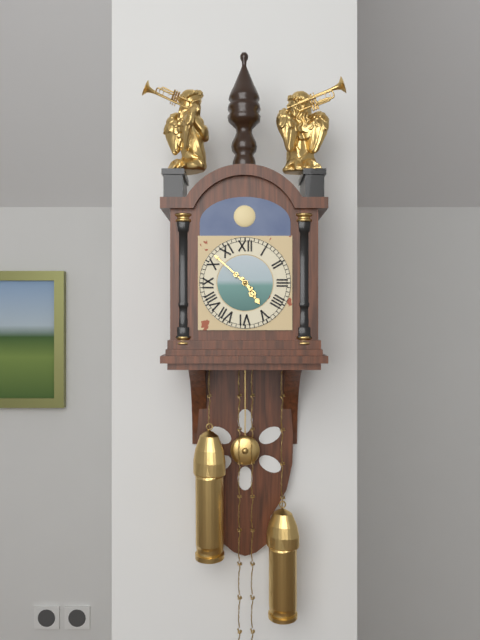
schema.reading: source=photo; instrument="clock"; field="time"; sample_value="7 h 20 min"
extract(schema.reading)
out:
4 h 52 min
